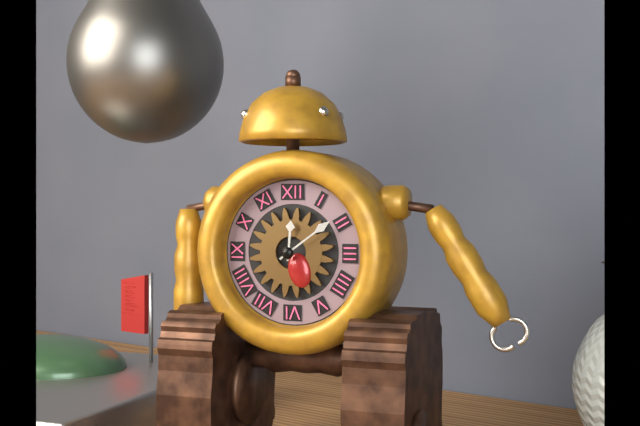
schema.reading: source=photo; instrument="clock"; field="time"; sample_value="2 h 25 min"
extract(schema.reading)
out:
12 h 09 min
